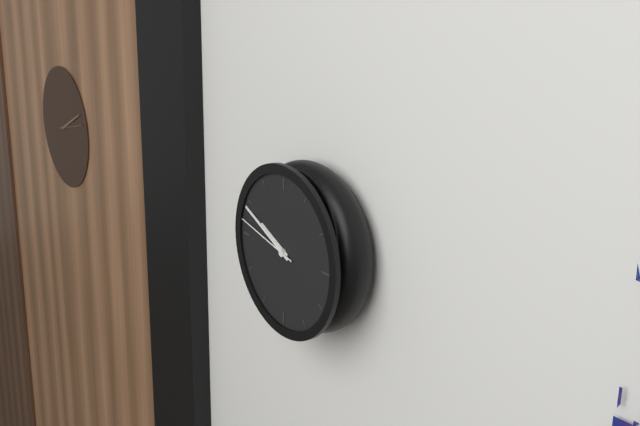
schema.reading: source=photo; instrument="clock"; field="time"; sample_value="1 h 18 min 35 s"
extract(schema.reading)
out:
9 h 49 min 47 s
